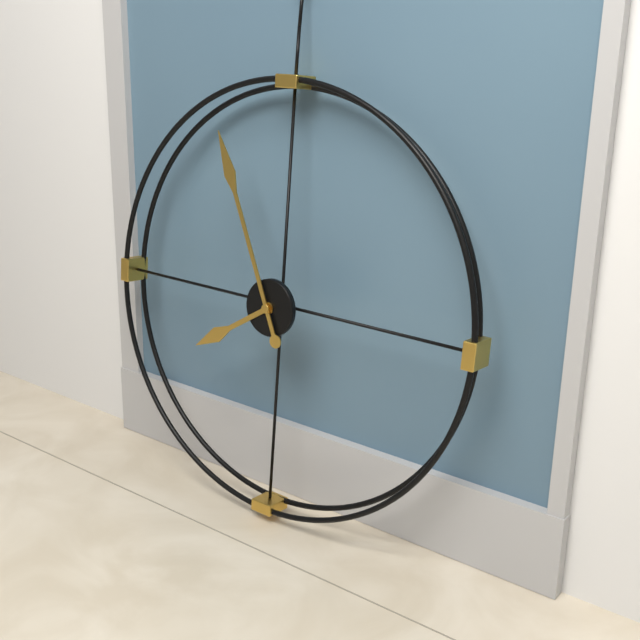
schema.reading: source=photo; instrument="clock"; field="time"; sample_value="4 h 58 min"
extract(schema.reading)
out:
7 h 56 min
